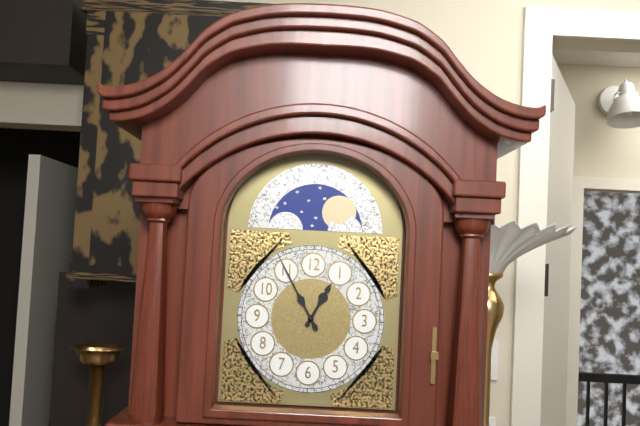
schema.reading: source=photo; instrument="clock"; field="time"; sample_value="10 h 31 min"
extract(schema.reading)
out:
12 h 55 min
